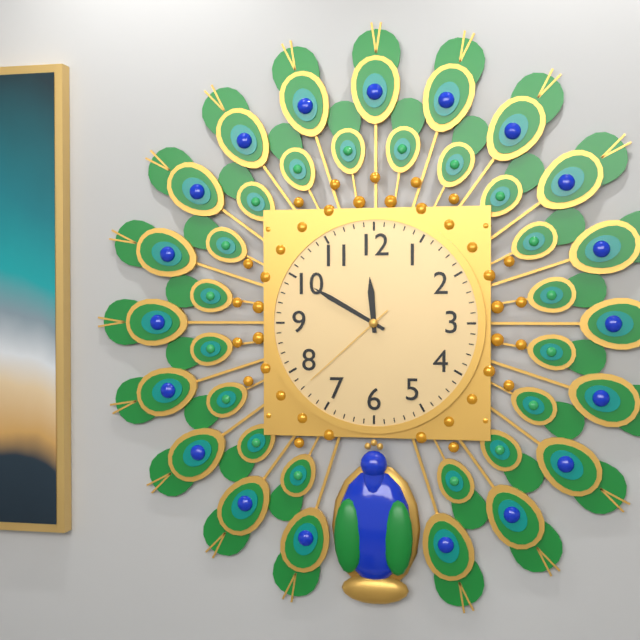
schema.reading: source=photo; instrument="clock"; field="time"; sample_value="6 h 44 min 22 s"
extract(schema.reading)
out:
11 h 50 min 38 s
